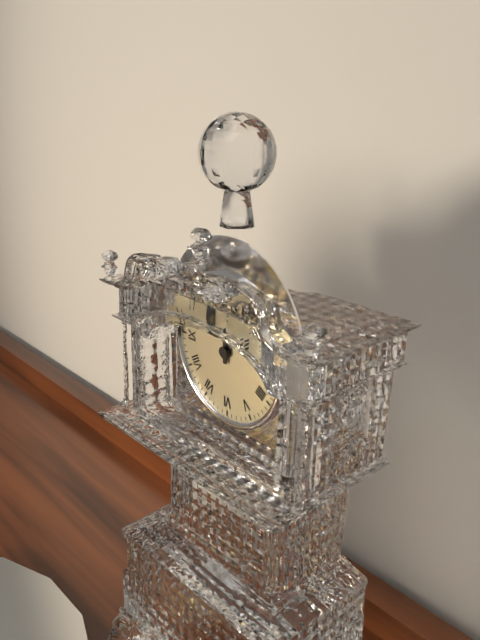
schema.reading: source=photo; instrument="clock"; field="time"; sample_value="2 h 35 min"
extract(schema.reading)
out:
1 h 00 min
